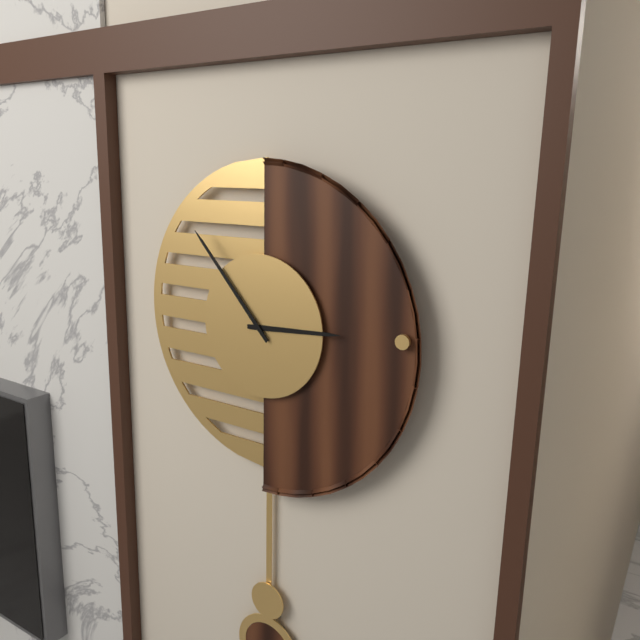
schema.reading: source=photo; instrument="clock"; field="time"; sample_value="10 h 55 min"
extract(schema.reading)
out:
2 h 53 min
